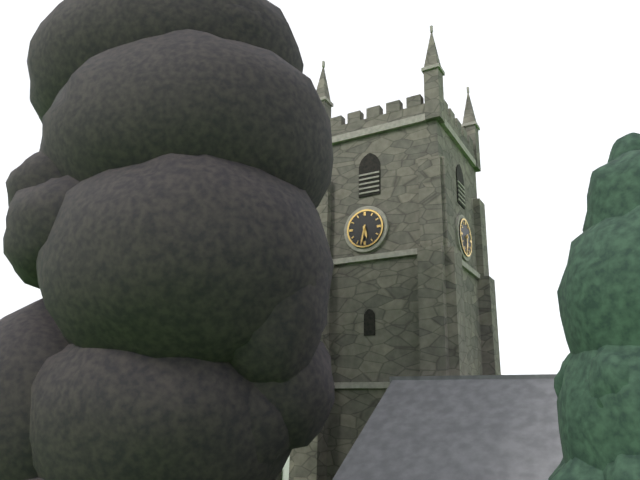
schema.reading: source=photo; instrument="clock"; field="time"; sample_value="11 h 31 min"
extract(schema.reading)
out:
5 h 32 min
